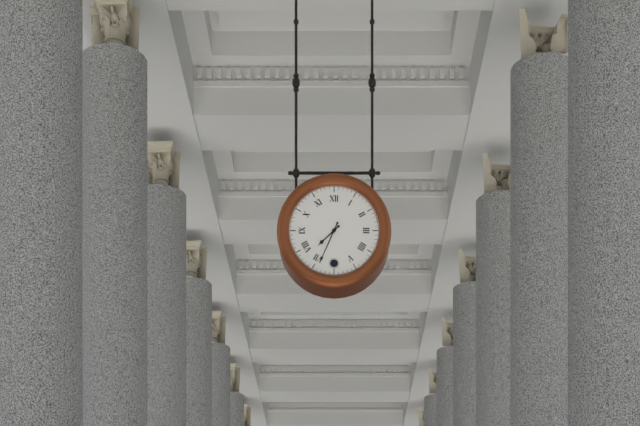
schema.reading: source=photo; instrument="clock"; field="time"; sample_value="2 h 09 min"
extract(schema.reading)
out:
7 h 34 min
